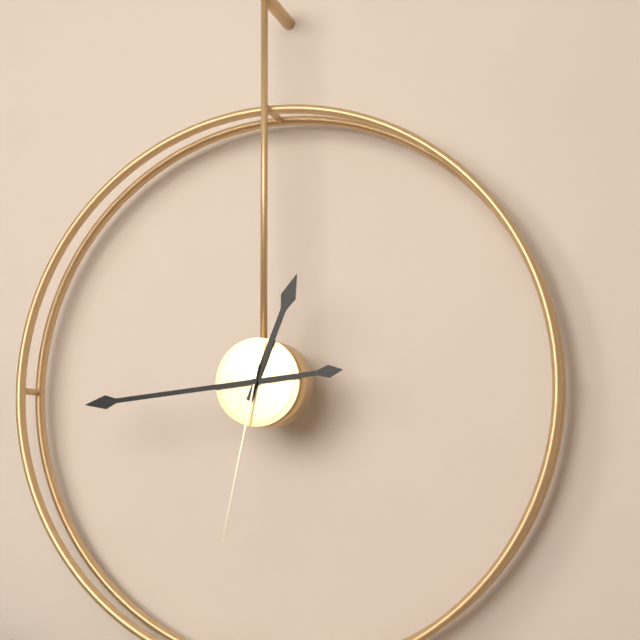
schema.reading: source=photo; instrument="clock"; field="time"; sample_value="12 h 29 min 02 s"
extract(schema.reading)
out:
12 h 44 min 32 s
